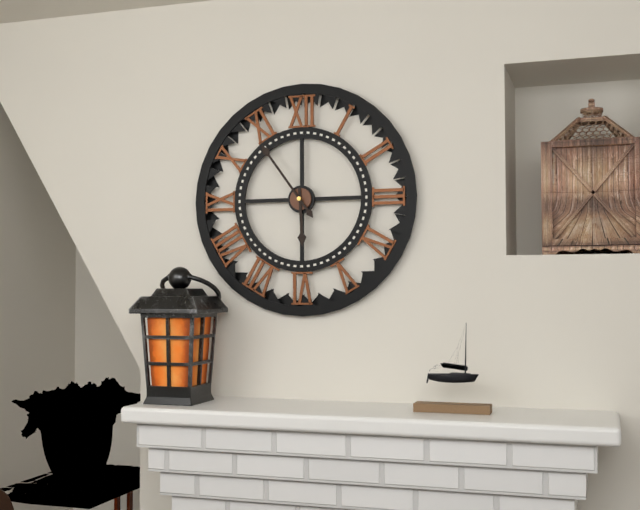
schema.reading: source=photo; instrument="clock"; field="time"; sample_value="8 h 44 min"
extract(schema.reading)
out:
5 h 54 min
